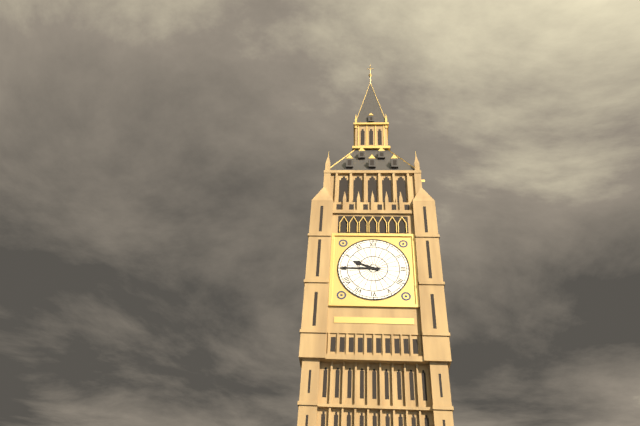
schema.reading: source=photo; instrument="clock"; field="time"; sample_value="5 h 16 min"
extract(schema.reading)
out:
9 h 45 min
